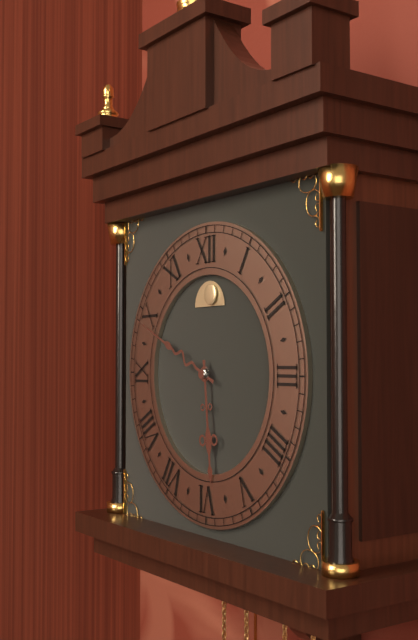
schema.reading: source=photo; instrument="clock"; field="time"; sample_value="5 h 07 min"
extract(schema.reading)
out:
5 h 49 min
